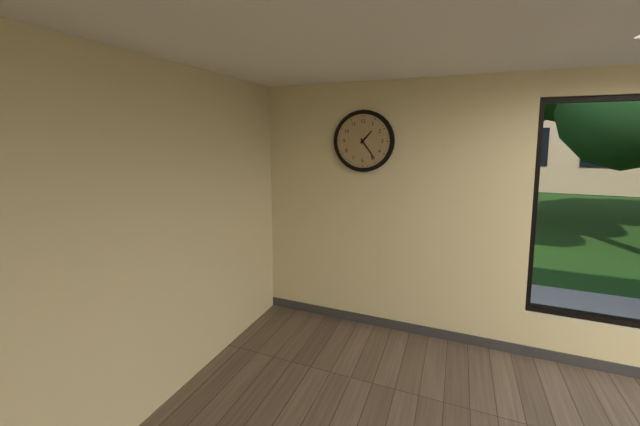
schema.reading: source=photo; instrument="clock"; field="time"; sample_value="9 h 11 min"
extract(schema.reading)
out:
1 h 24 min
